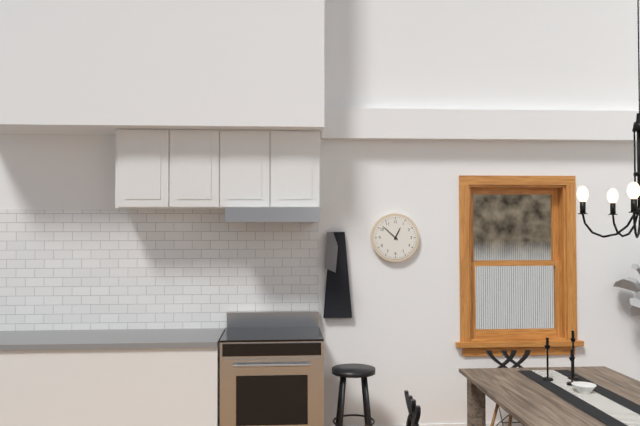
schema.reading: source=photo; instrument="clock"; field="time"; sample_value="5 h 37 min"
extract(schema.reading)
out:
12 h 52 min
